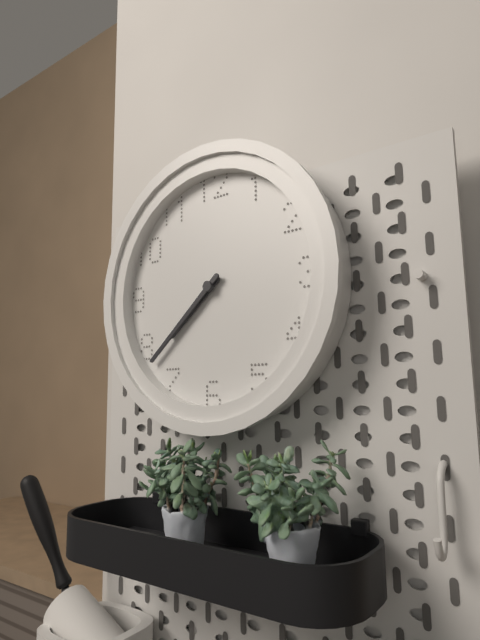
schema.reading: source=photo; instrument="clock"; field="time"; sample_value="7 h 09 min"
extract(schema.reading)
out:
7 h 38 min
